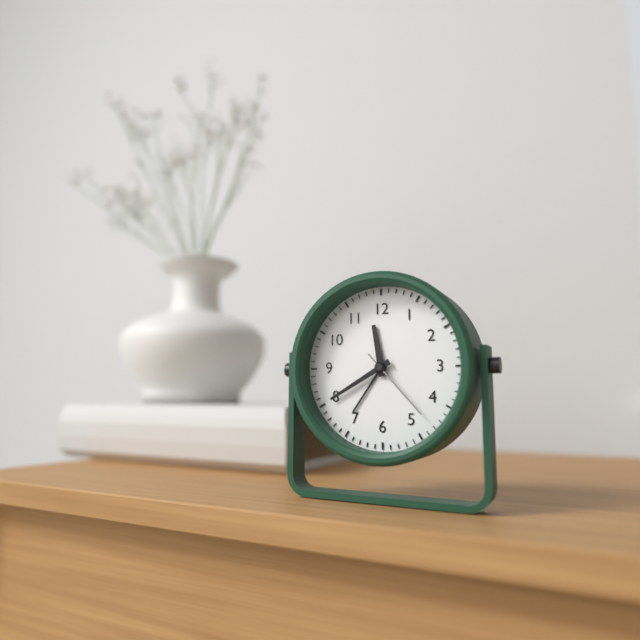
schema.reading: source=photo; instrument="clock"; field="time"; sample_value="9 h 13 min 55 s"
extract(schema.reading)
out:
11 h 40 min 23 s
